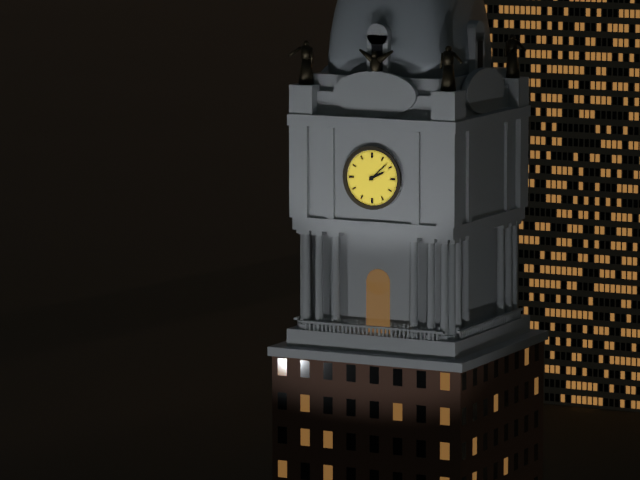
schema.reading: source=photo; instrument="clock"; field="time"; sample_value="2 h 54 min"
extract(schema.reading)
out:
2 h 08 min
